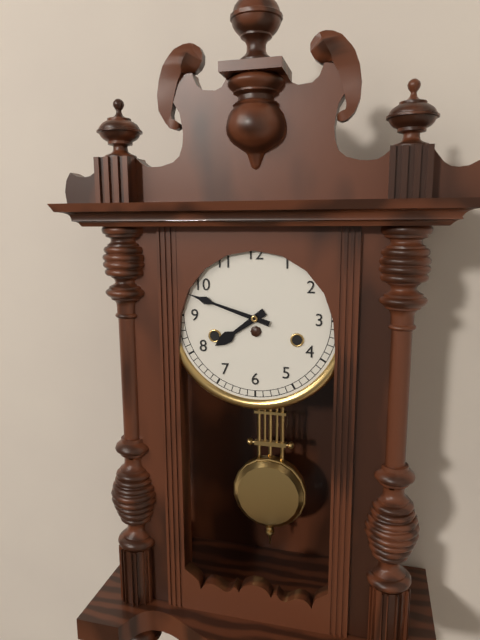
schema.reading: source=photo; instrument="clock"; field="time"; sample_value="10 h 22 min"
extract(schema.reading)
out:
7 h 48 min
